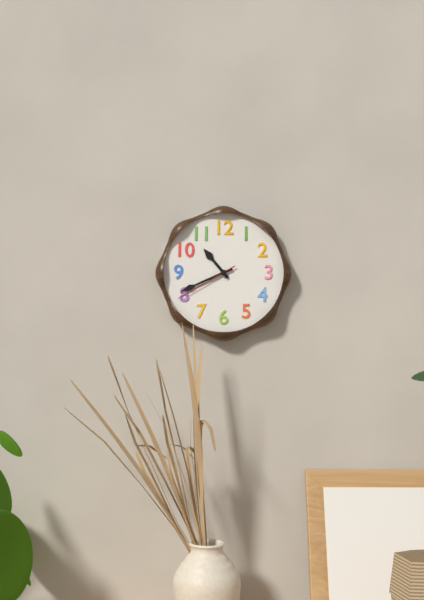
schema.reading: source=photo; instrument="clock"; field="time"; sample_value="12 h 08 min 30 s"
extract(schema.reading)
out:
10 h 41 min 40 s
